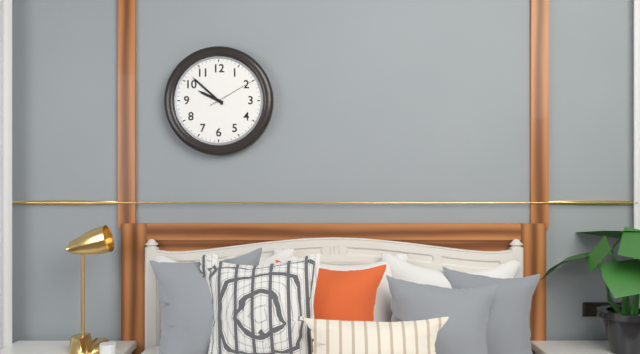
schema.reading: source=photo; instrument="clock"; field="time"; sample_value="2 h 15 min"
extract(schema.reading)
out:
9 h 52 min
